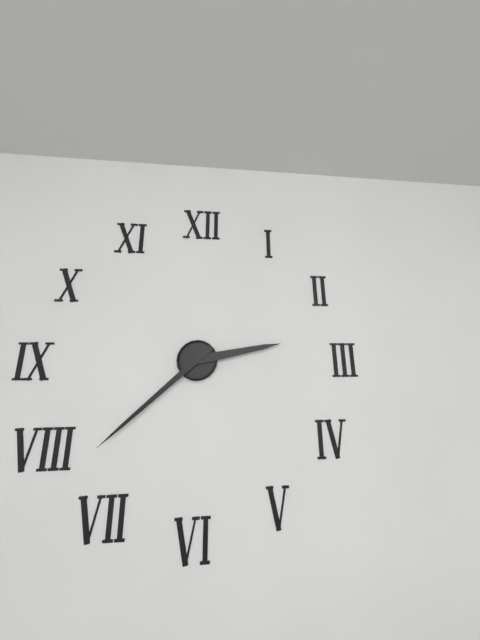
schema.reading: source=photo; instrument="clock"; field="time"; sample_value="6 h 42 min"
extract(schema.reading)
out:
2 h 38 min
